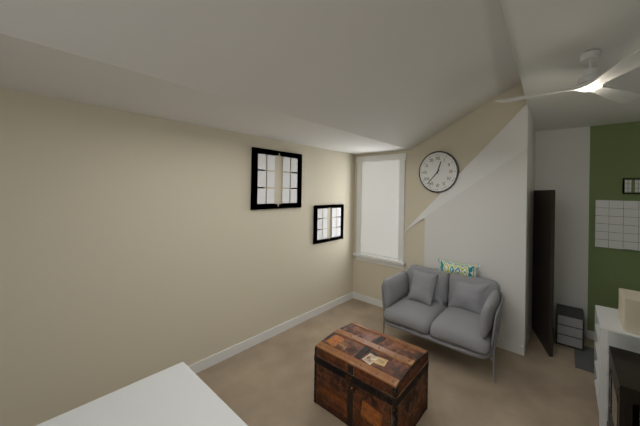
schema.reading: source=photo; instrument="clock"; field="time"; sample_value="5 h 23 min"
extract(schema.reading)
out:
12 h 37 min
